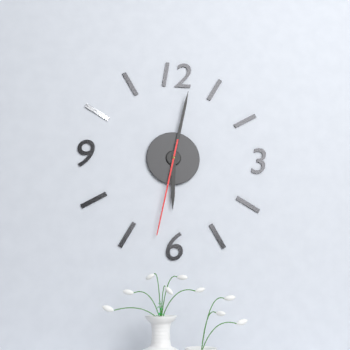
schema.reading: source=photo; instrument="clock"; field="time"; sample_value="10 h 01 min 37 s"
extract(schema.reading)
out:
6 h 02 min 32 s
